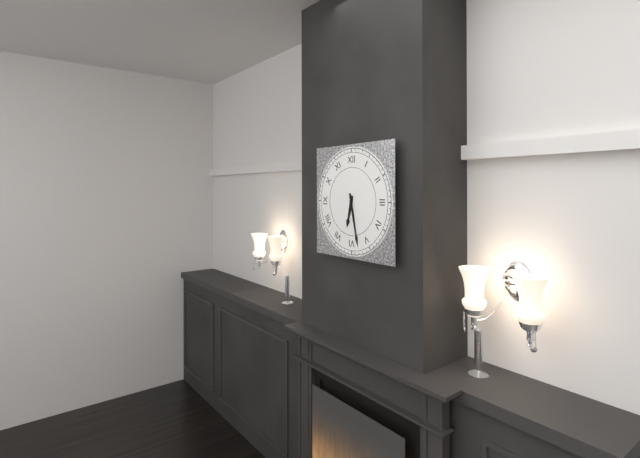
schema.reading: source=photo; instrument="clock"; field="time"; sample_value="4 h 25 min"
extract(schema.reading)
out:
6 h 28 min
